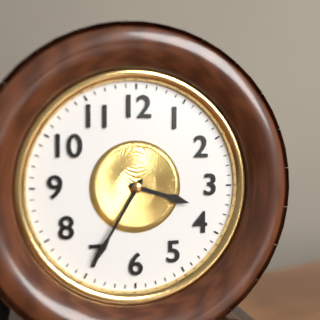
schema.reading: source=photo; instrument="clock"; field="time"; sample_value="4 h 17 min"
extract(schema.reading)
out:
3 h 35 min
